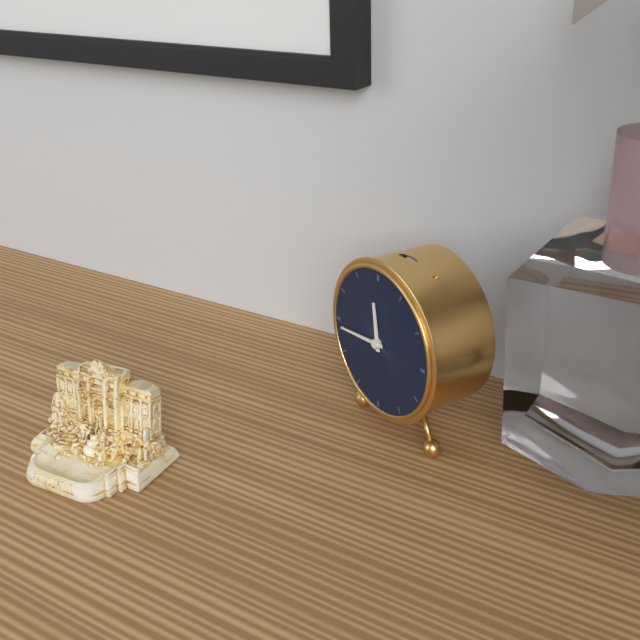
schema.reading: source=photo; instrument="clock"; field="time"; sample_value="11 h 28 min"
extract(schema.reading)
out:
11 h 44 min
